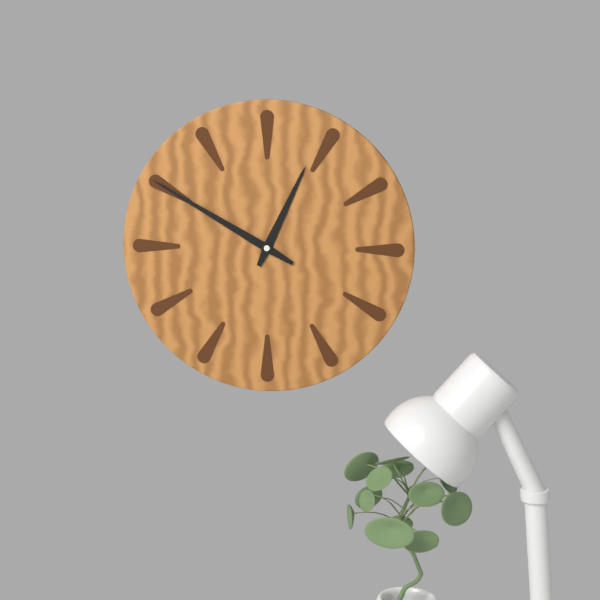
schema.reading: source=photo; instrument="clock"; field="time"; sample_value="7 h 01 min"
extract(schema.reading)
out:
12 h 50 min
